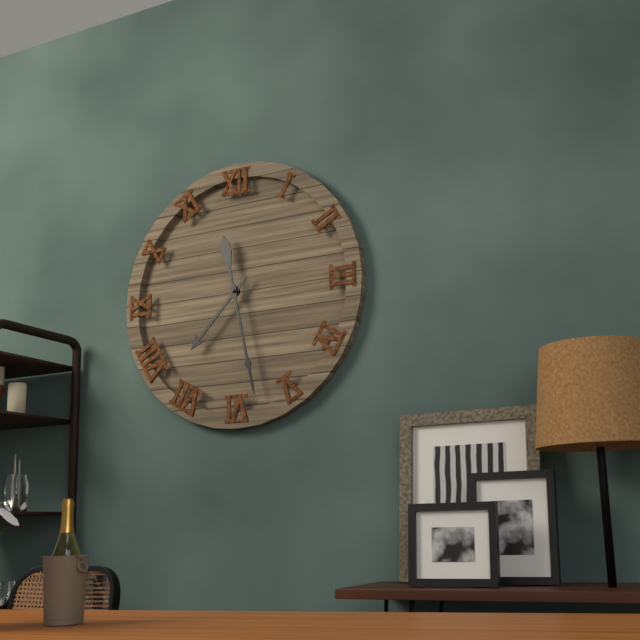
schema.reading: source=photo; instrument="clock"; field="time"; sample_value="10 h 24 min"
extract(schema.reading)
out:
7 h 28 min
